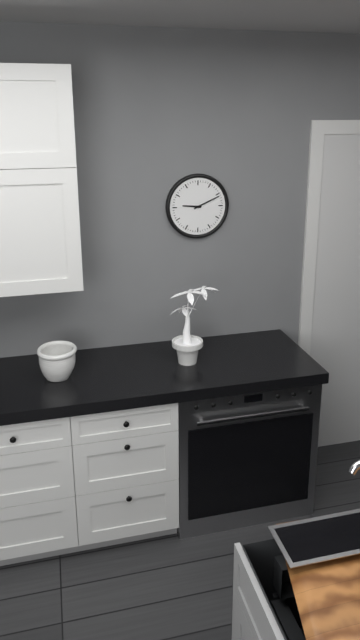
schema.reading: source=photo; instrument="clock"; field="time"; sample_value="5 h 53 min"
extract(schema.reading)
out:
9 h 11 min
